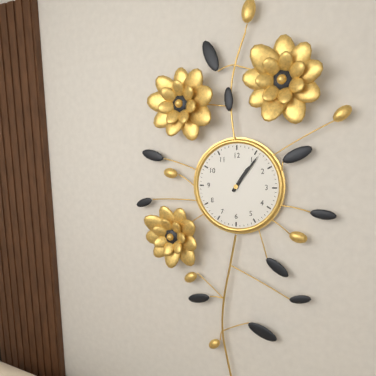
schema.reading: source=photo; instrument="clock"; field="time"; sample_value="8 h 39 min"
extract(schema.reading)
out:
1 h 06 min
